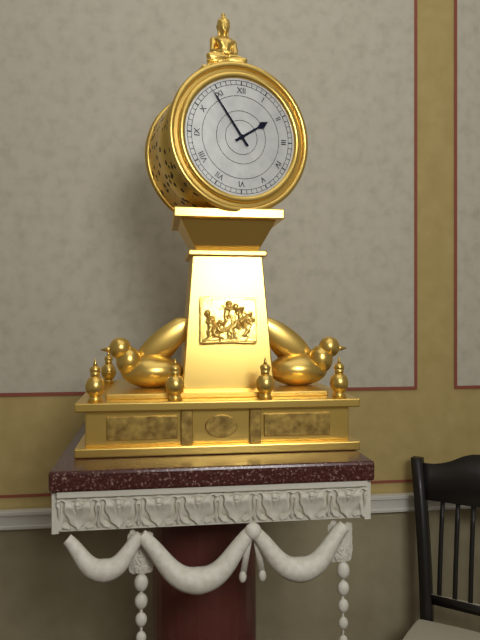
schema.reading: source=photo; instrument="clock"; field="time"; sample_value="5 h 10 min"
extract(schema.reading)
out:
1 h 54 min
